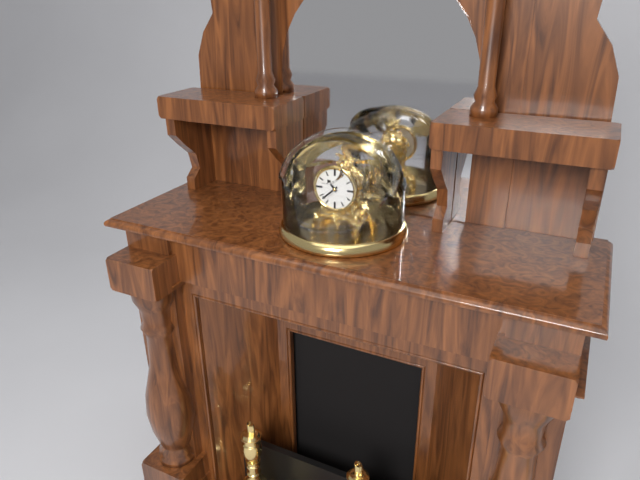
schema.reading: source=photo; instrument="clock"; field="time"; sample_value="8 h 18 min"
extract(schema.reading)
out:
10 h 38 min
